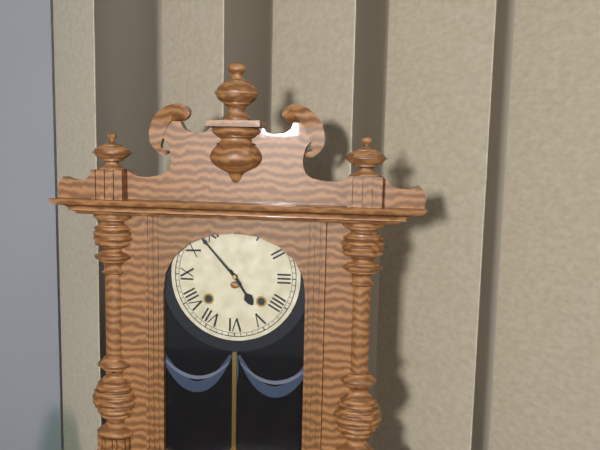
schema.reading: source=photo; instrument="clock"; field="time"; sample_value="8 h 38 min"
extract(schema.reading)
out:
4 h 53 min
